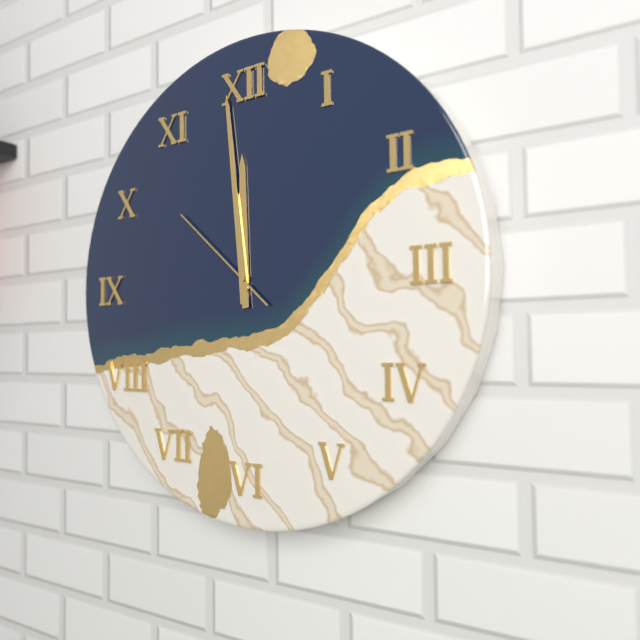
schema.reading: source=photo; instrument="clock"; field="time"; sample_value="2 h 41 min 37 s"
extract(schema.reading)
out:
11 h 59 min 52 s
